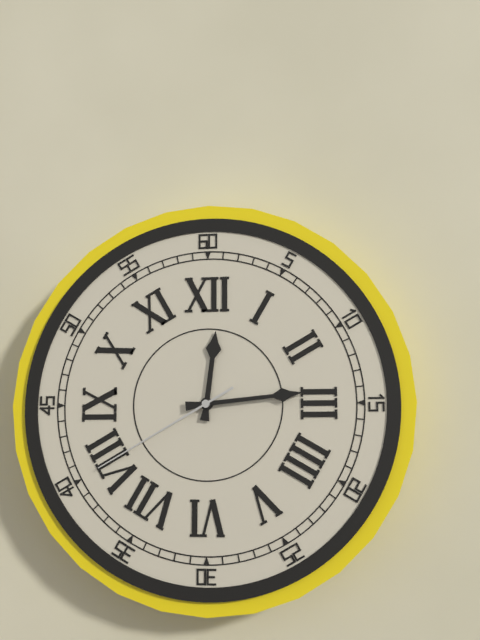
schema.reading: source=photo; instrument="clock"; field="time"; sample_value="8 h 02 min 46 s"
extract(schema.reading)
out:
12 h 14 min 40 s
